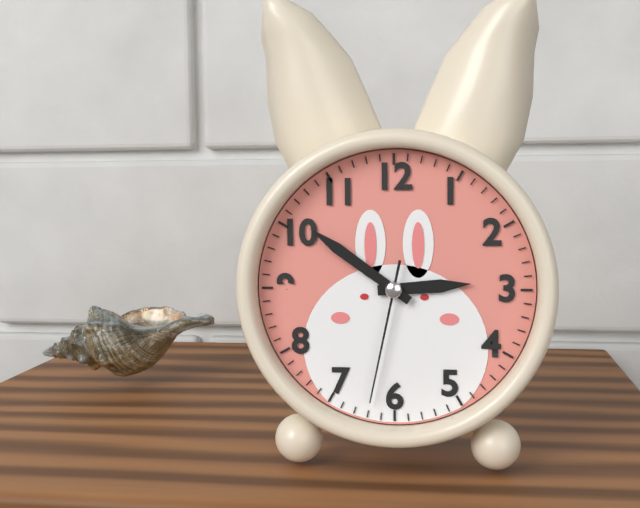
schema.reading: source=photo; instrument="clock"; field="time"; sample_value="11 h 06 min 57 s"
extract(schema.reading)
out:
2 h 51 min 32 s
